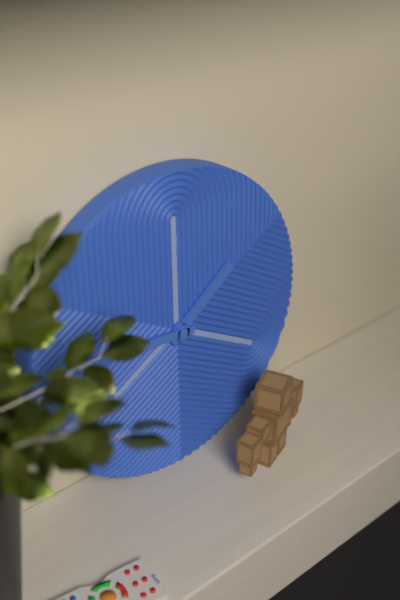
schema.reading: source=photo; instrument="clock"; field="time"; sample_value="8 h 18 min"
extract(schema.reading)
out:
1 h 46 min
